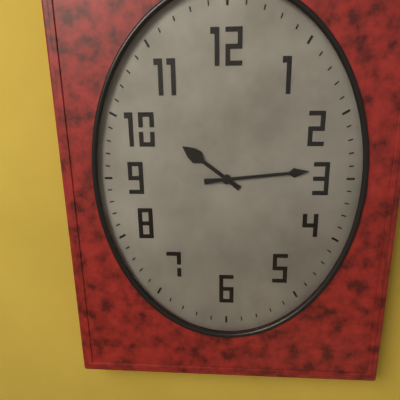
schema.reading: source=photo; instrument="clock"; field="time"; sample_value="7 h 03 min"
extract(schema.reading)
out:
10 h 14 min
